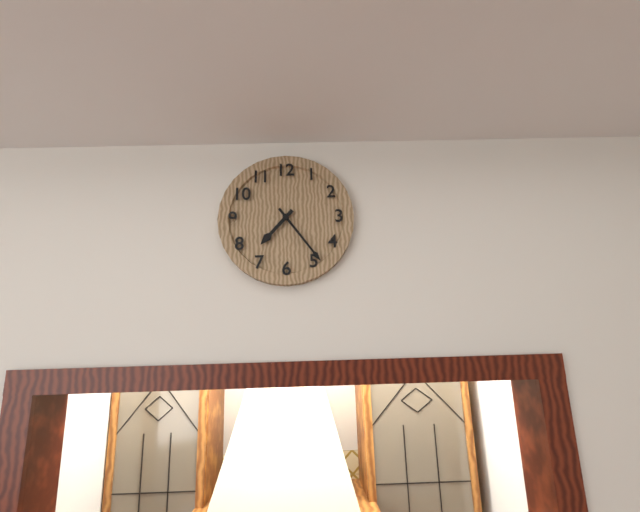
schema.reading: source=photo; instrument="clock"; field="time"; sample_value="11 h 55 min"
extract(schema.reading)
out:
7 h 24 min
